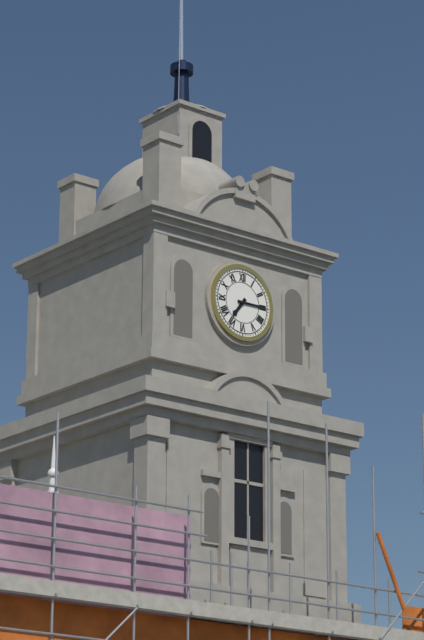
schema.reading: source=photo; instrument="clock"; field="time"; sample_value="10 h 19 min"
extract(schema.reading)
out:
7 h 15 min
